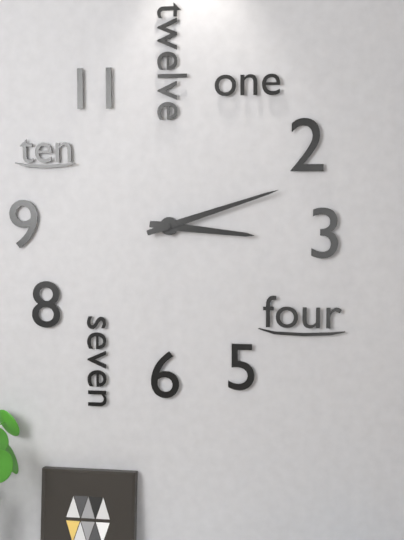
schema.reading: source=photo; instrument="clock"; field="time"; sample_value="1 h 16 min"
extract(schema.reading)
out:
3 h 12 min
